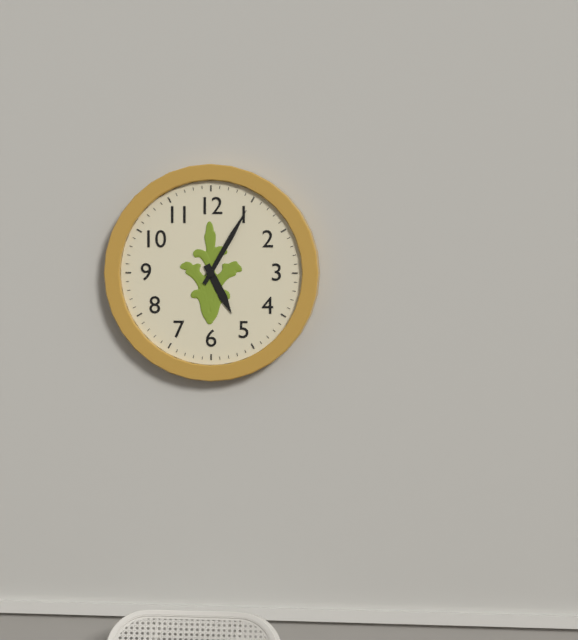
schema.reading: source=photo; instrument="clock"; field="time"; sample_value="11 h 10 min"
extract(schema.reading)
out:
5 h 05 min
